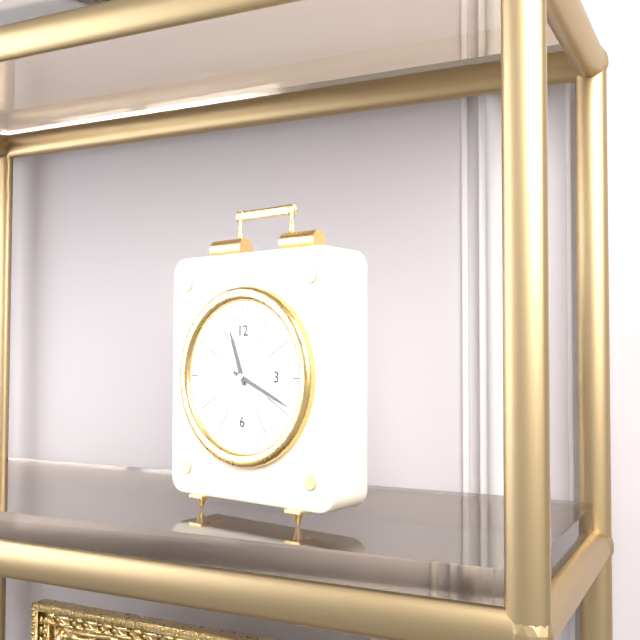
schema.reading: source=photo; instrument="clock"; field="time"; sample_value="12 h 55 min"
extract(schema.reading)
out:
11 h 19 min
